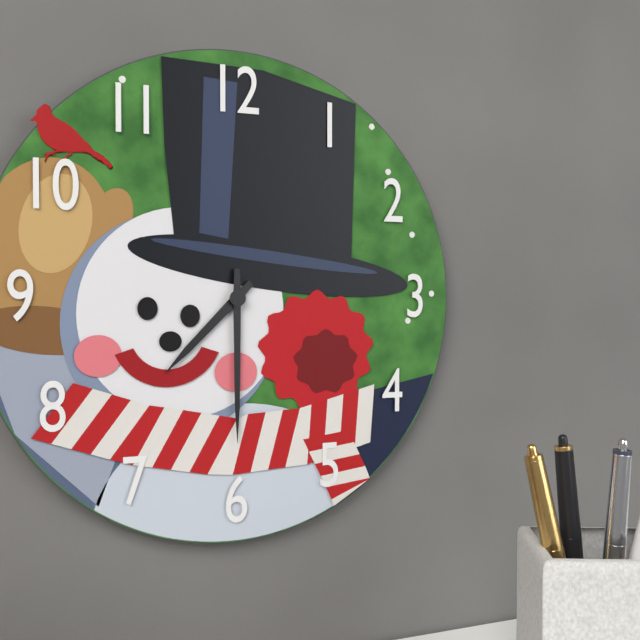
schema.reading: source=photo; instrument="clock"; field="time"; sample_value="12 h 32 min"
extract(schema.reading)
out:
7 h 30 min
